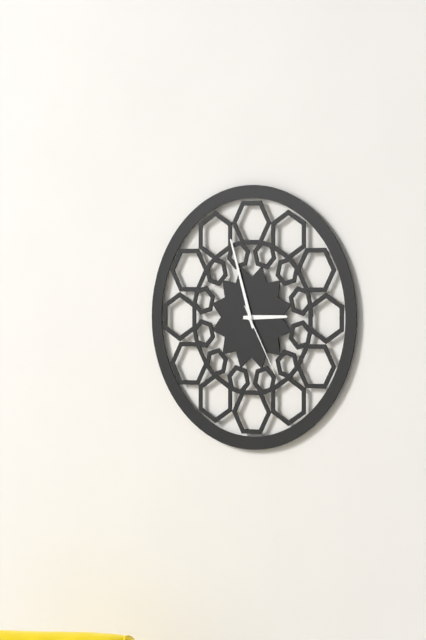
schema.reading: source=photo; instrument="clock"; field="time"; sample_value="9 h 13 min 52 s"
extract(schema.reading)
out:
2 h 57 min 25 s
